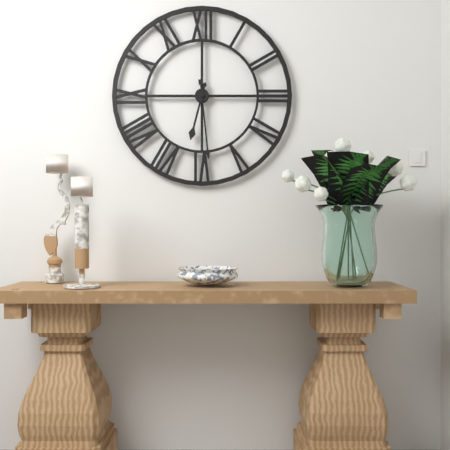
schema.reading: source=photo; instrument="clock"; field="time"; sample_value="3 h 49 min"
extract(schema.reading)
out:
6 h 29 min
